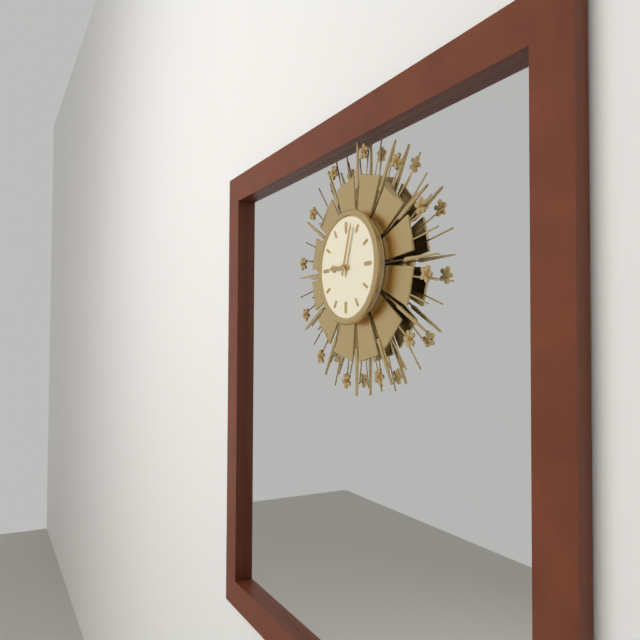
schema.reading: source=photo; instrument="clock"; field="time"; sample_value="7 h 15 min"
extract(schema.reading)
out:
9 h 03 min
